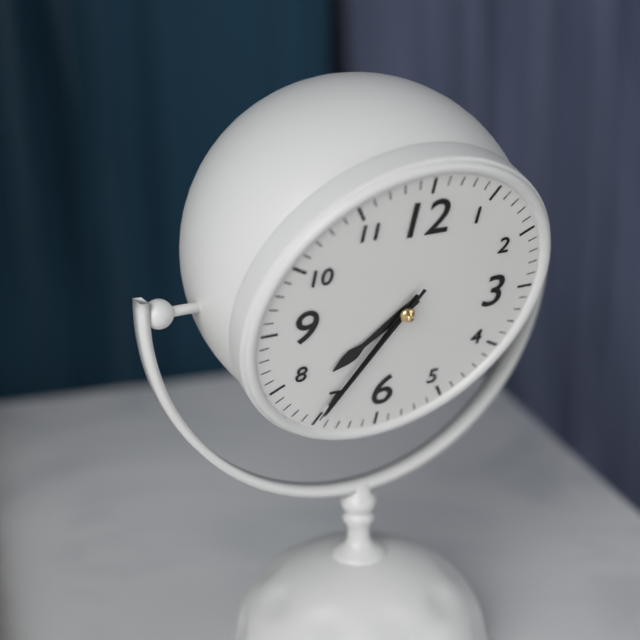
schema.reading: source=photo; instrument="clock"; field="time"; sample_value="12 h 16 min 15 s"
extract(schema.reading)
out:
7 h 35 min 35 s
